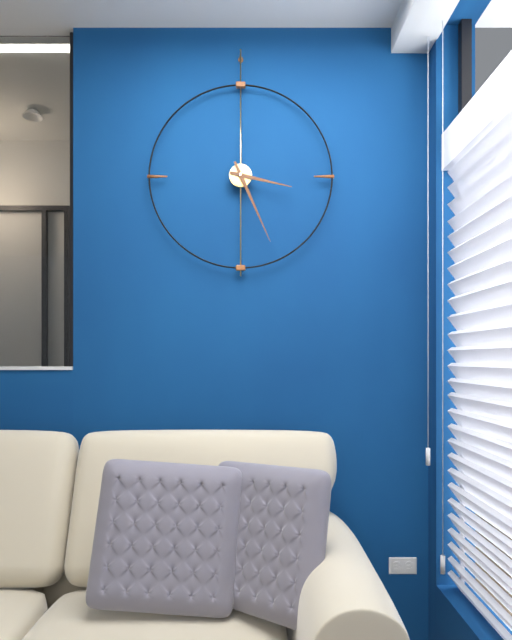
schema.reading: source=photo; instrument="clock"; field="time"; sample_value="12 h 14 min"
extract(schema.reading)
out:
3 h 26 min
